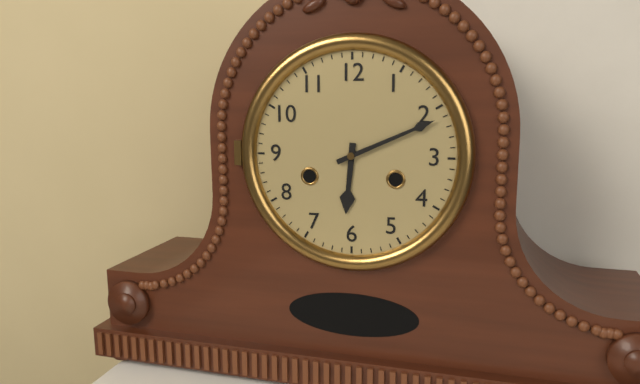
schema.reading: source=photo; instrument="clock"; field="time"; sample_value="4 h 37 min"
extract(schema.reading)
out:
6 h 11 min
